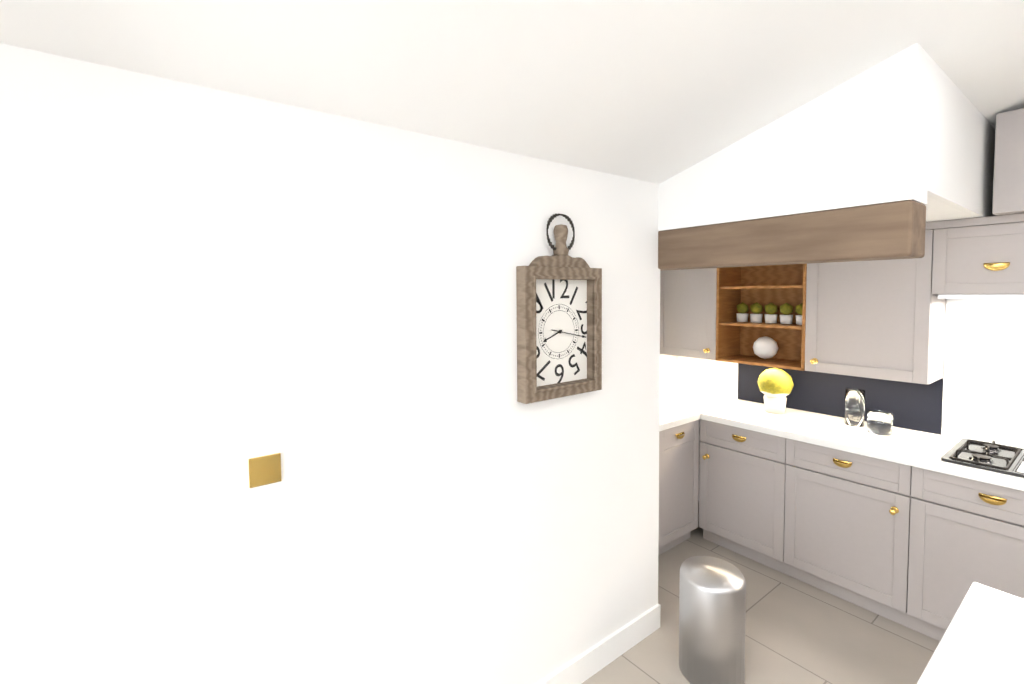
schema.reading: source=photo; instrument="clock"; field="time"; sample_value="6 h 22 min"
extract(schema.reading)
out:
8 h 17 min
